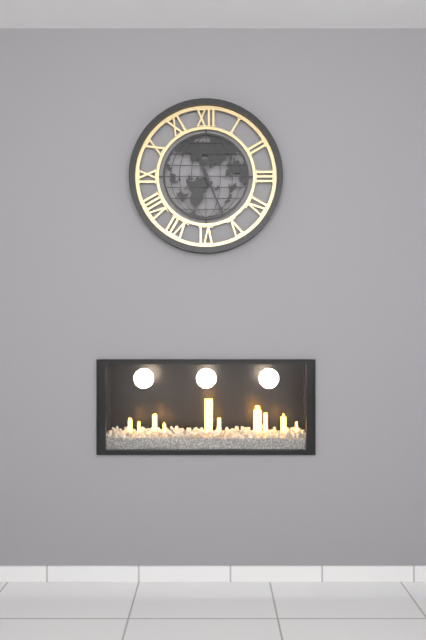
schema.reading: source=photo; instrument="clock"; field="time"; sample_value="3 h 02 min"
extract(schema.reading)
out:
11 h 26 min
